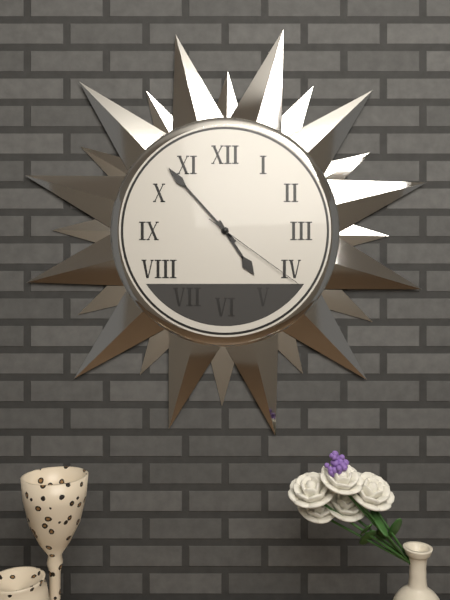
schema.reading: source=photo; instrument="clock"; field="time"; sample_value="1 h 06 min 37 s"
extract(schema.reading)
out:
4 h 53 min 21 s
